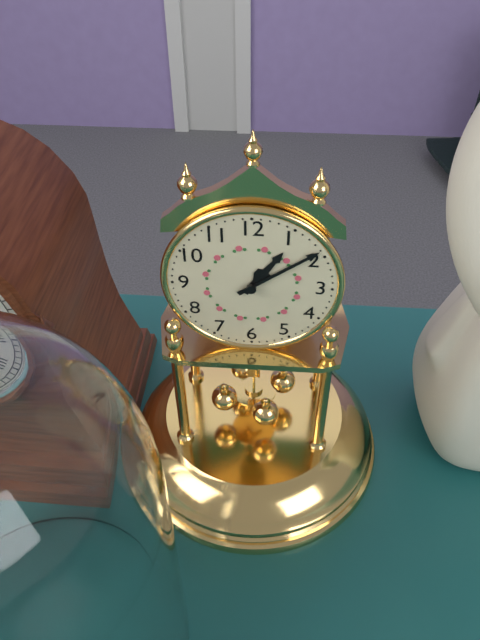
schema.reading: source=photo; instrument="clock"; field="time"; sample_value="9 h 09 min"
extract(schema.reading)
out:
1 h 09 min
